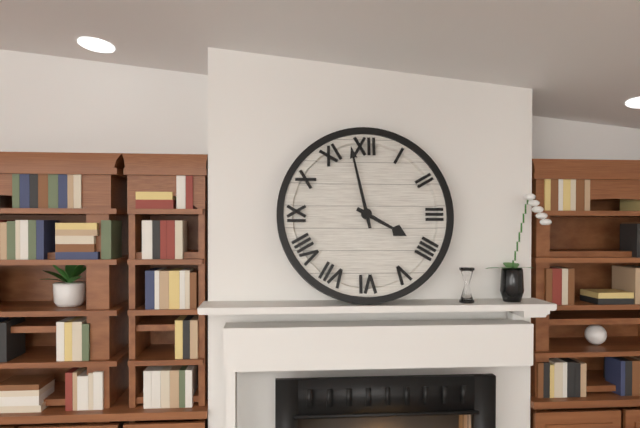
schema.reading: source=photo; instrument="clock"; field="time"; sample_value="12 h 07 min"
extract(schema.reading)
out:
3 h 58 min
